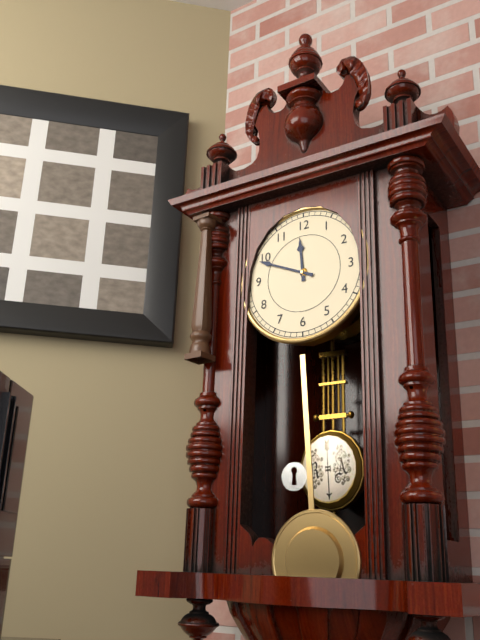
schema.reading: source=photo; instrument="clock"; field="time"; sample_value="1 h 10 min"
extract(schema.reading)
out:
11 h 49 min
